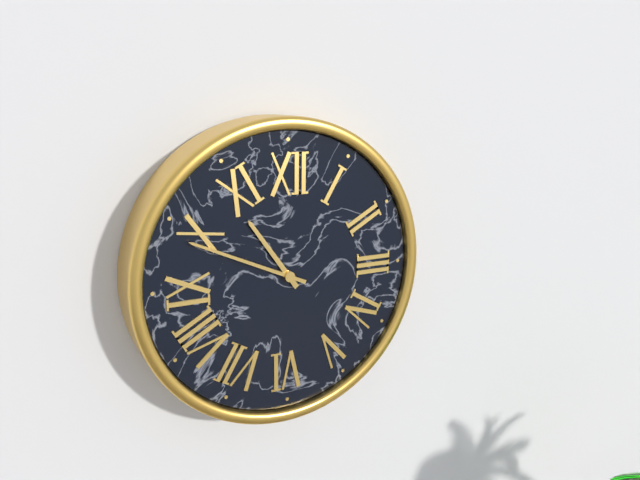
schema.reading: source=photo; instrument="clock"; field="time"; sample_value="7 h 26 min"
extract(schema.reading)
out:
10 h 49 min
